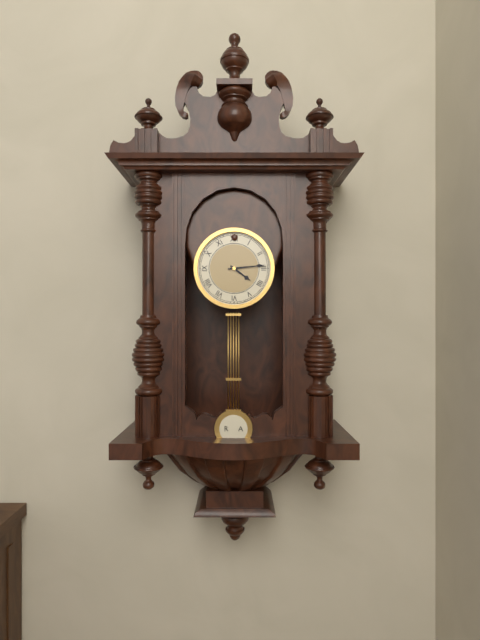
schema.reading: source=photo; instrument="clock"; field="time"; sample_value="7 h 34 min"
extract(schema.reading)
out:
4 h 14 min
